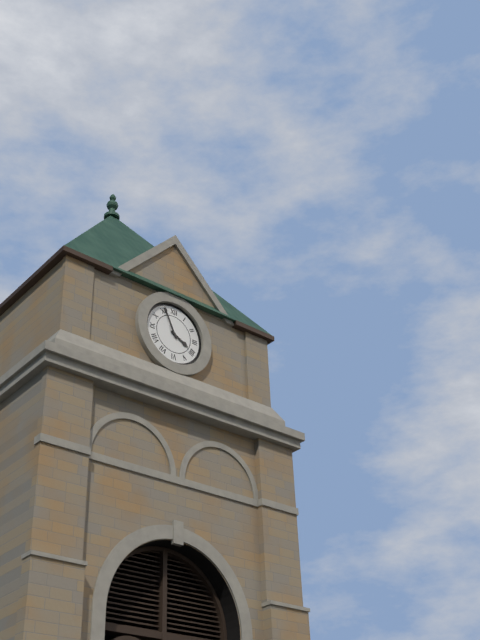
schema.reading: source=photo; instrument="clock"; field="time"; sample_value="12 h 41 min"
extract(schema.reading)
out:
3 h 56 min
